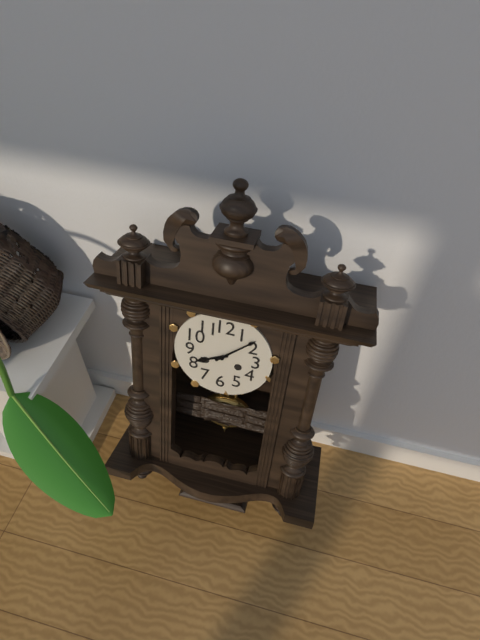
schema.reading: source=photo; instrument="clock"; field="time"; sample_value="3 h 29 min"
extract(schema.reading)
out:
8 h 08 min
